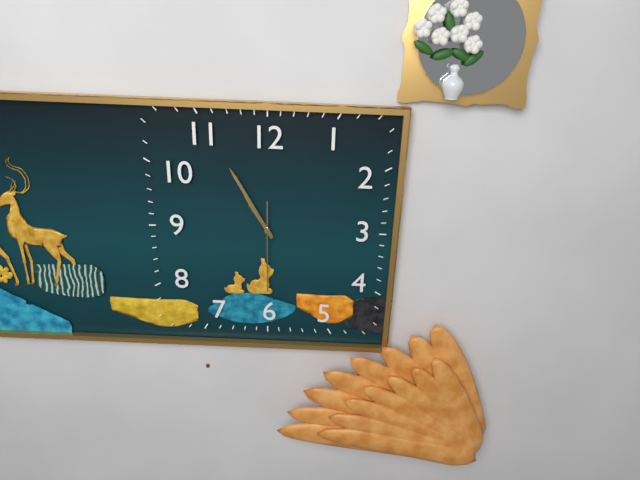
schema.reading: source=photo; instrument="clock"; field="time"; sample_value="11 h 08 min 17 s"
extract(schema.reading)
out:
10 h 55 min 30 s
